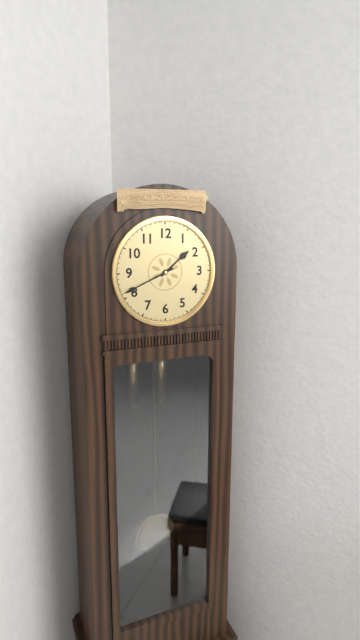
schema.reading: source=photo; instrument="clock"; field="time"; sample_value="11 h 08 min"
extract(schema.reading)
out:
1 h 41 min
